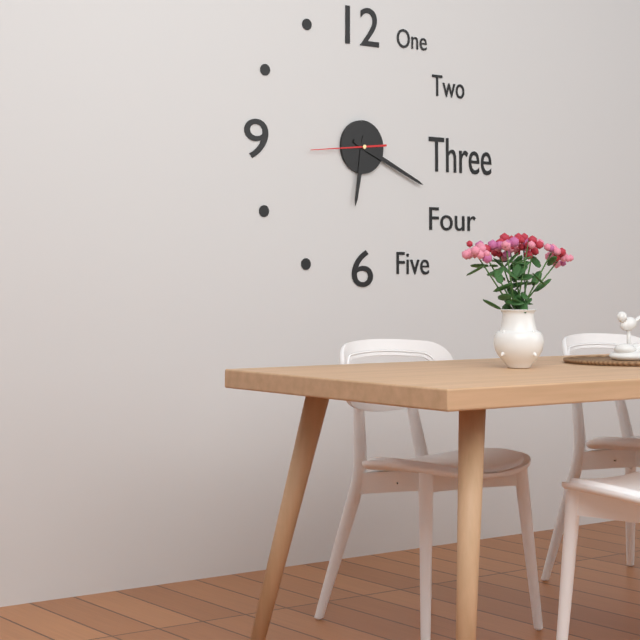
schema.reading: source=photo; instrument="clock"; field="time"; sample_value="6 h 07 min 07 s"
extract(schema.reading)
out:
6 h 19 min 44 s
